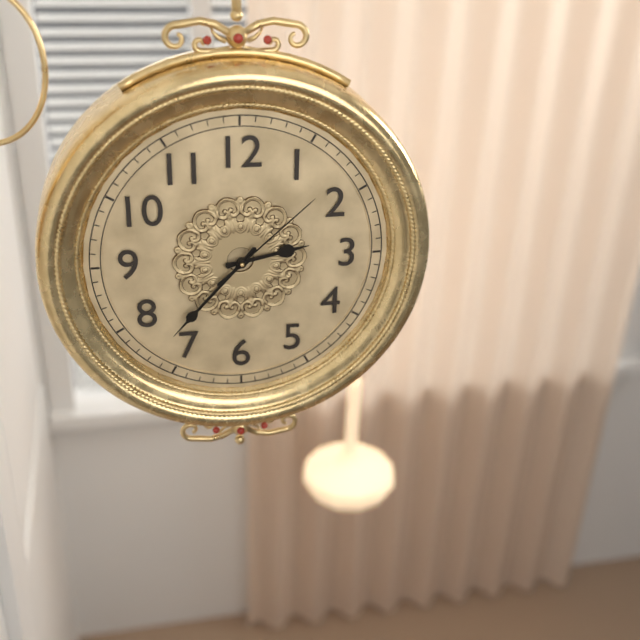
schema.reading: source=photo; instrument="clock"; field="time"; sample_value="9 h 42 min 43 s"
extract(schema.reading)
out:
2 h 37 min 08 s
